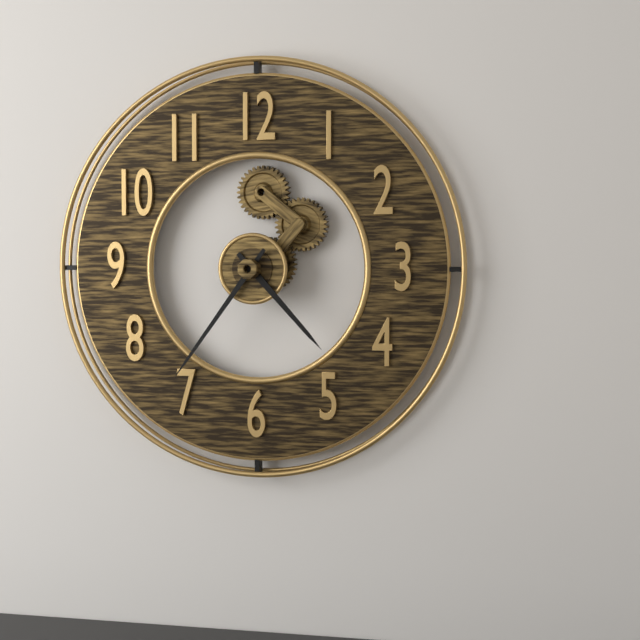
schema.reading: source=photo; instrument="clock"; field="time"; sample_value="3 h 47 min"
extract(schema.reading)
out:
4 h 36 min
